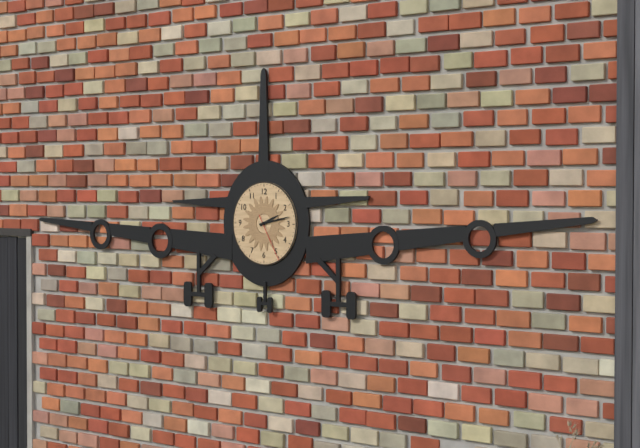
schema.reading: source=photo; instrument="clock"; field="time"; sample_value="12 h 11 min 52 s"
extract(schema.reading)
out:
2 h 13 min 25 s
